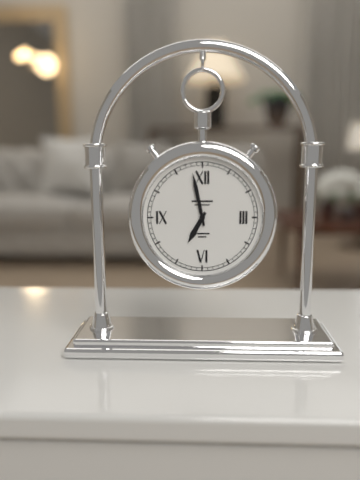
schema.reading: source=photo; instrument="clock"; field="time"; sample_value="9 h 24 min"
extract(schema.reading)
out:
6 h 58 min
